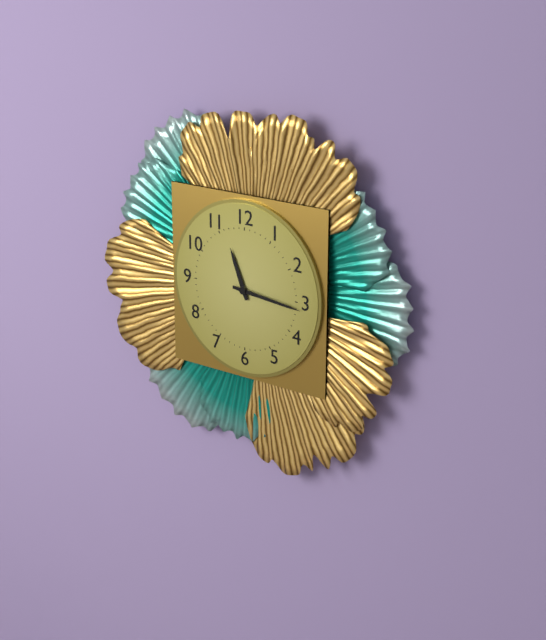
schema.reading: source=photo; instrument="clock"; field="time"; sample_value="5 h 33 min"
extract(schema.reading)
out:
11 h 16 min
